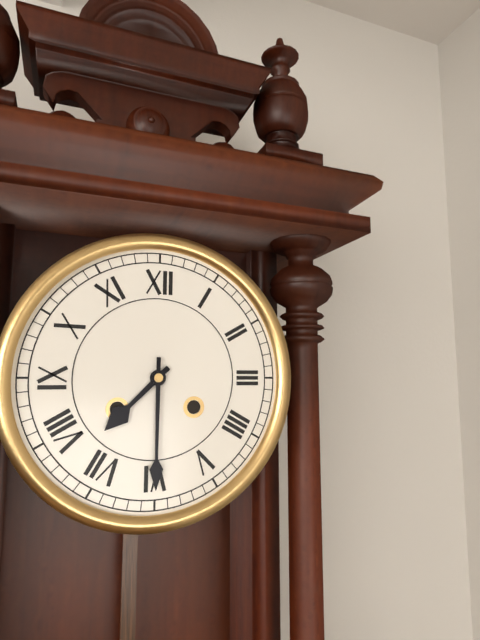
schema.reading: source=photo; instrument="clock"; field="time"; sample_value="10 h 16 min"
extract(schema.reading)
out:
7 h 30 min
